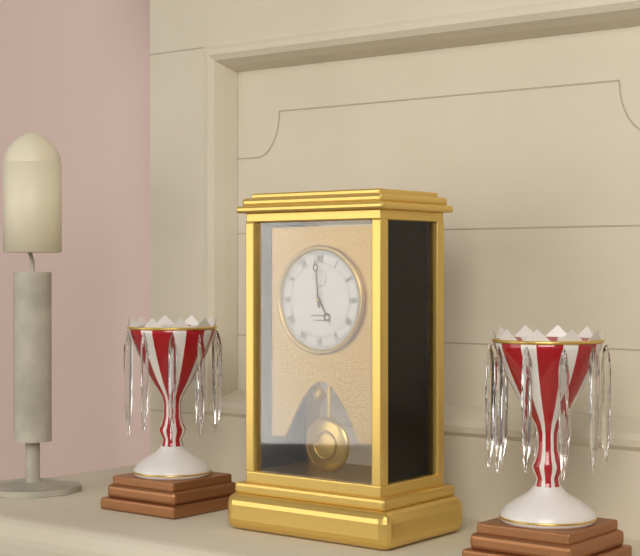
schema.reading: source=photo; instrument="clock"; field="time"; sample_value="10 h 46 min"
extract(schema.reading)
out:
4 h 59 min
